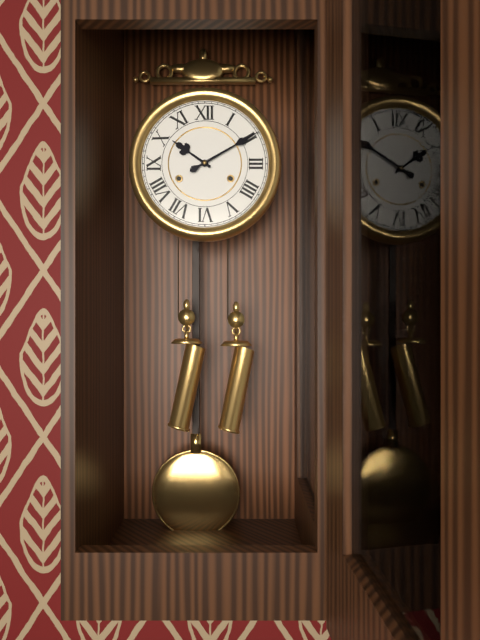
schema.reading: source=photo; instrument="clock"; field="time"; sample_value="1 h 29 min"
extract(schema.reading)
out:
10 h 10 min
